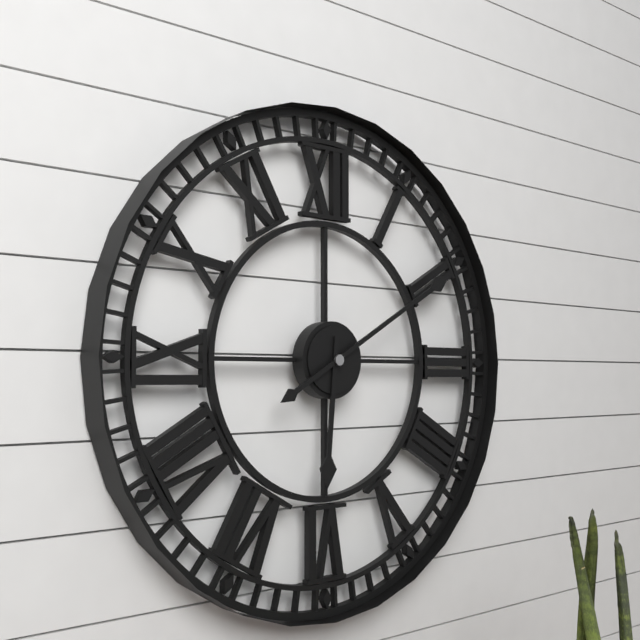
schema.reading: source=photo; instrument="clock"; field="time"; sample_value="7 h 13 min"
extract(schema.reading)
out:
6 h 10 min
